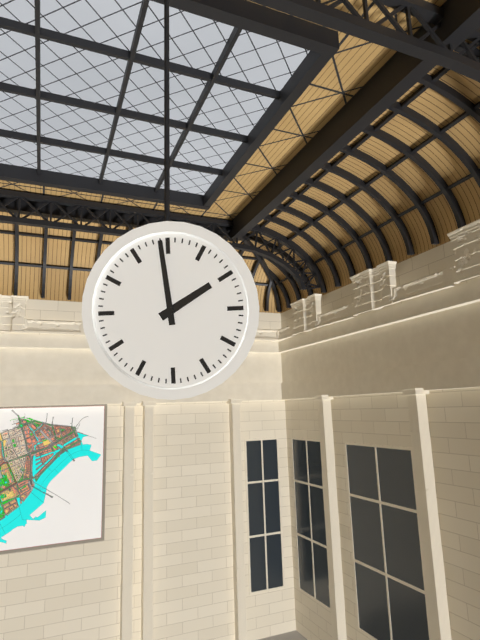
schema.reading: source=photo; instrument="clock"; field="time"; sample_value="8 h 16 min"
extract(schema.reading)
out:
1 h 59 min
